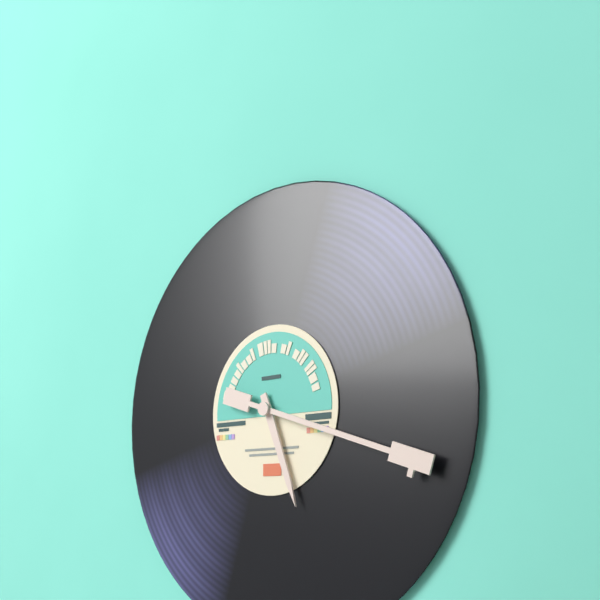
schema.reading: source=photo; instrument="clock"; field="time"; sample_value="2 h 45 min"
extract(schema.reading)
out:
5 h 18 min
